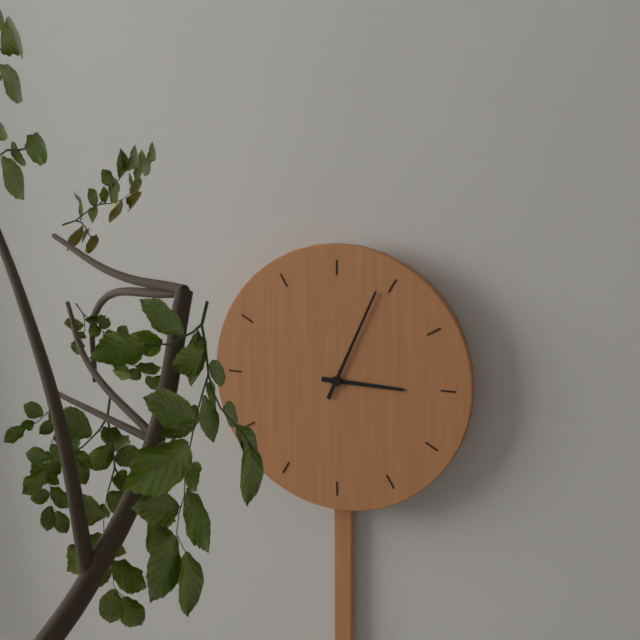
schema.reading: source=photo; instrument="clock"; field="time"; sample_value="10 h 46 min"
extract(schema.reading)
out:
3 h 04 min
